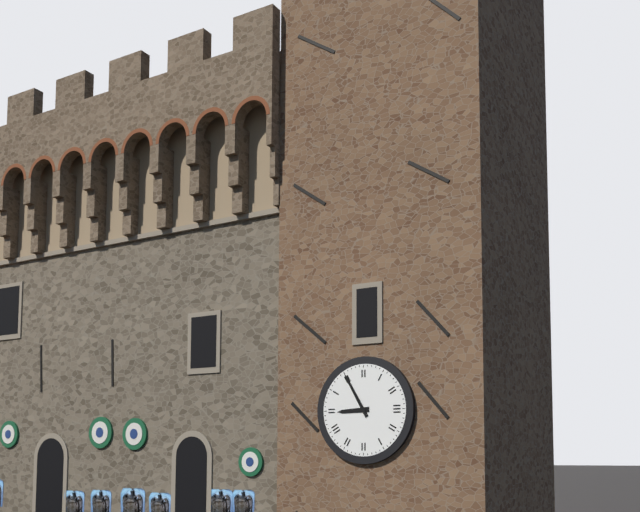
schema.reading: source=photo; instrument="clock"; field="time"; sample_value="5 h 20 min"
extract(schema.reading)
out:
8 h 55 min
